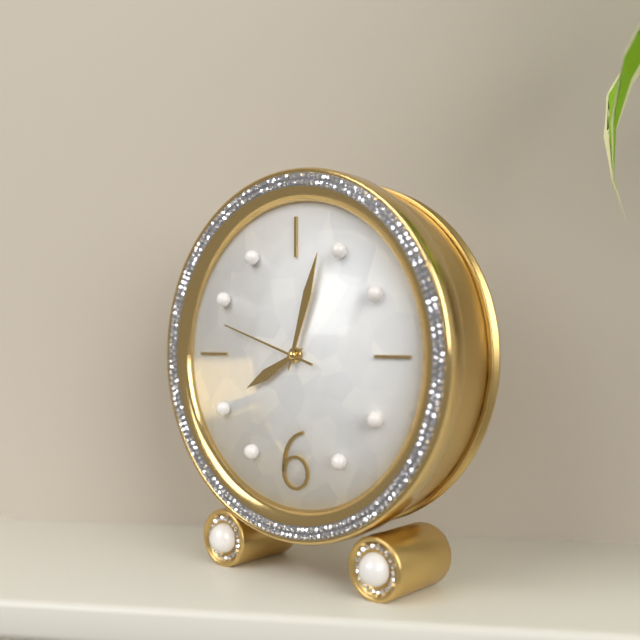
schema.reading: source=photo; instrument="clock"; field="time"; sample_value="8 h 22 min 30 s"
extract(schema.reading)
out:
8 h 03 min 48 s
